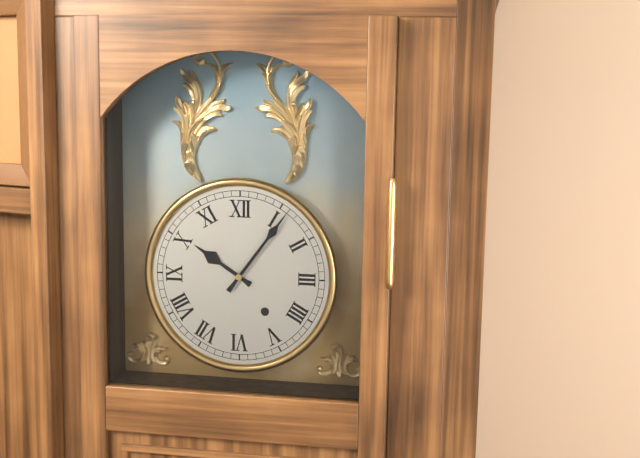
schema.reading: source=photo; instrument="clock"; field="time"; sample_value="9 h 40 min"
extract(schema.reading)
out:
10 h 06 min
